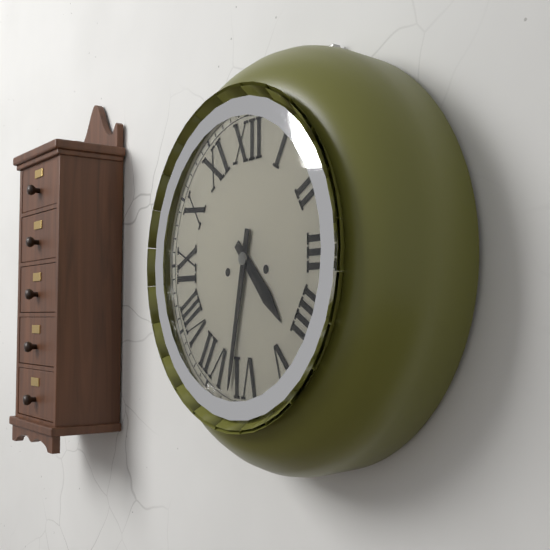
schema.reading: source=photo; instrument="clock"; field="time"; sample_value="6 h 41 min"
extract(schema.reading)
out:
4 h 32 min
